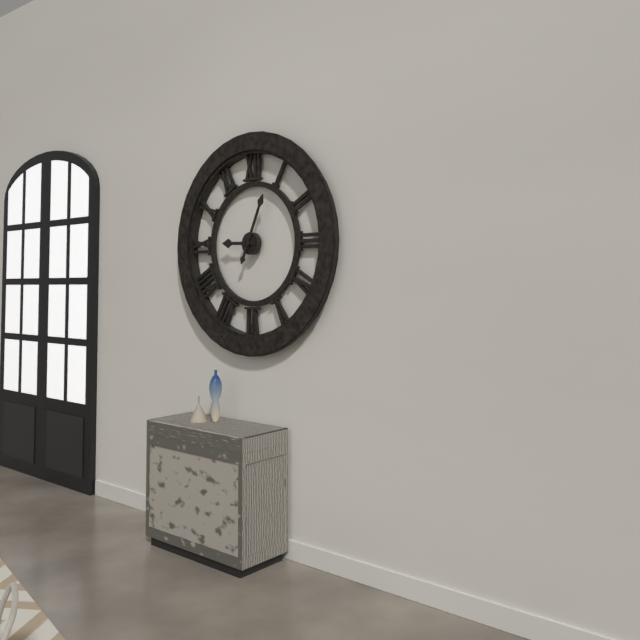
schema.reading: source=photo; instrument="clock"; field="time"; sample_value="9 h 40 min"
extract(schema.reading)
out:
9 h 04 min
